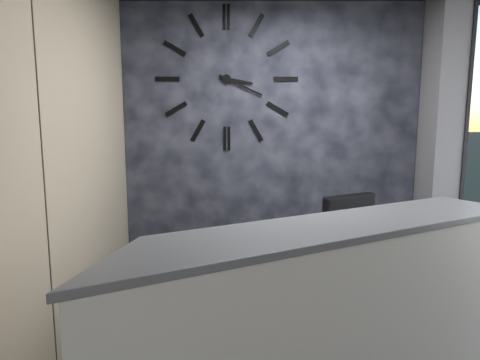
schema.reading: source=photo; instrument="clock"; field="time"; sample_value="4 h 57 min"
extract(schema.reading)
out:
3 h 19 min
